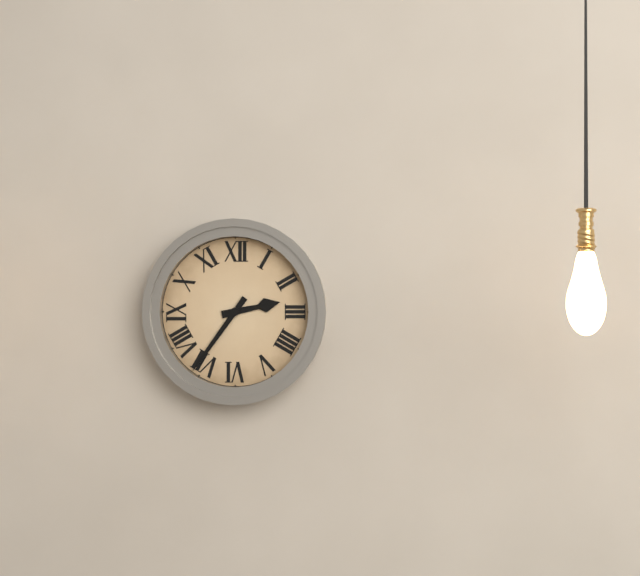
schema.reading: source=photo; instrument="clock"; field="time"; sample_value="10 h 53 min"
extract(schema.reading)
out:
2 h 36 min
